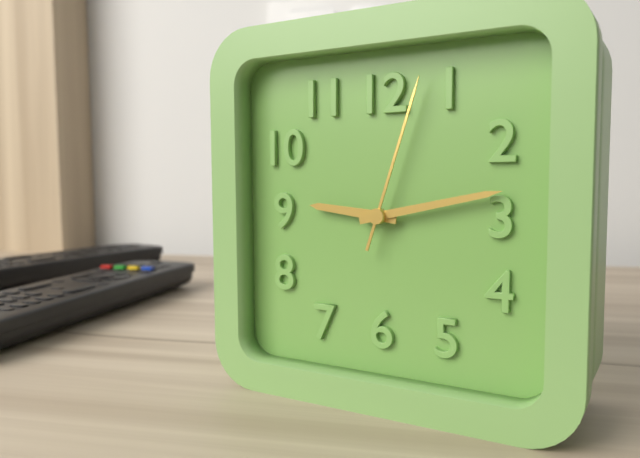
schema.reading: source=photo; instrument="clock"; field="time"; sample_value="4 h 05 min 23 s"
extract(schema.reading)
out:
9 h 13 min 03 s
